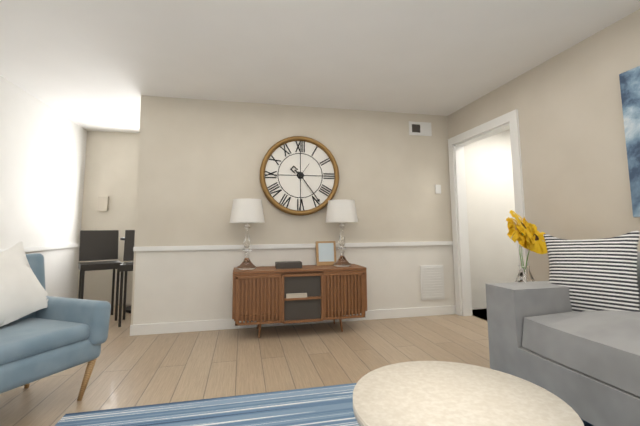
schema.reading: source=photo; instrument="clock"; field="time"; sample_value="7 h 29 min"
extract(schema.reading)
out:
10 h 24 min
